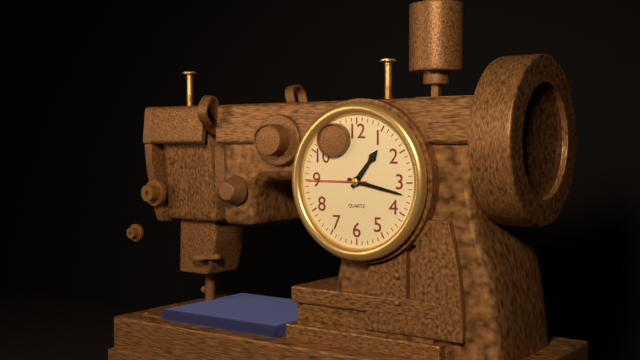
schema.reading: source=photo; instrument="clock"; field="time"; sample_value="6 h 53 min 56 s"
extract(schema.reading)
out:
1 h 17 min 45 s
